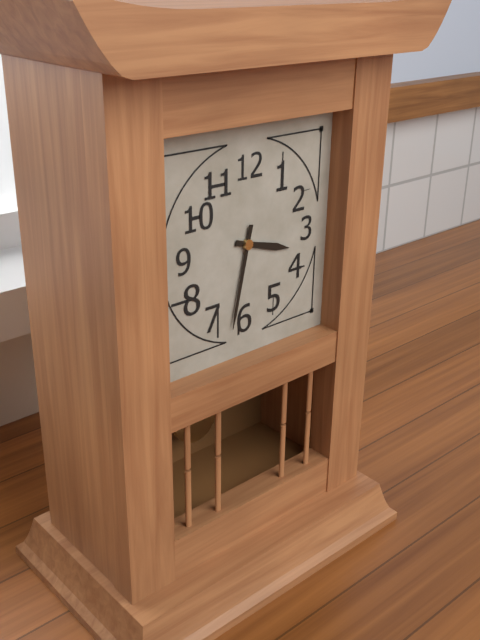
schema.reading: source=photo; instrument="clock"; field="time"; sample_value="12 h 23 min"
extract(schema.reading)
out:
3 h 32 min
